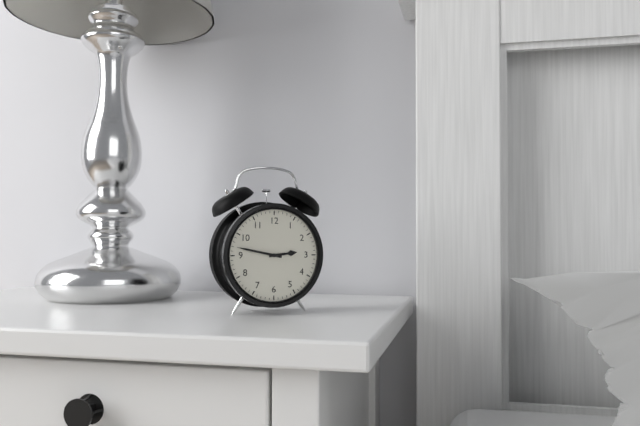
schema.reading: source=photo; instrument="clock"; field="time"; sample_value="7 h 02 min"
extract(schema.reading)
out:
2 h 47 min
